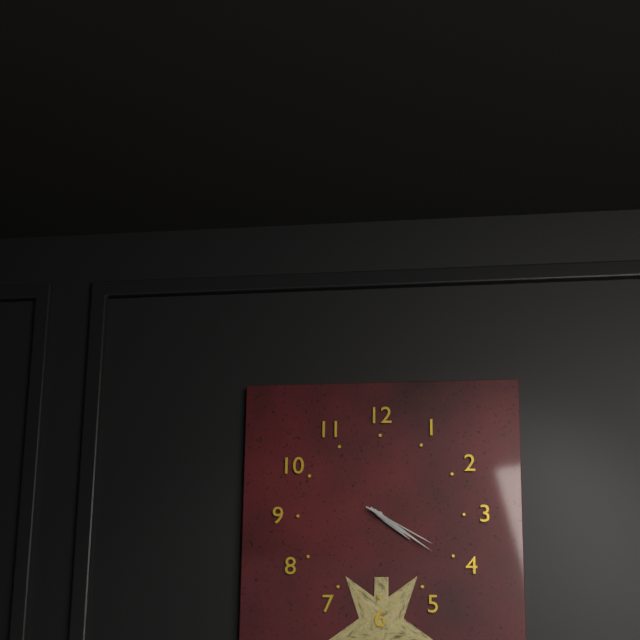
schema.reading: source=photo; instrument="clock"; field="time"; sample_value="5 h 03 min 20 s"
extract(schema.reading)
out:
4 h 21 min 20 s
